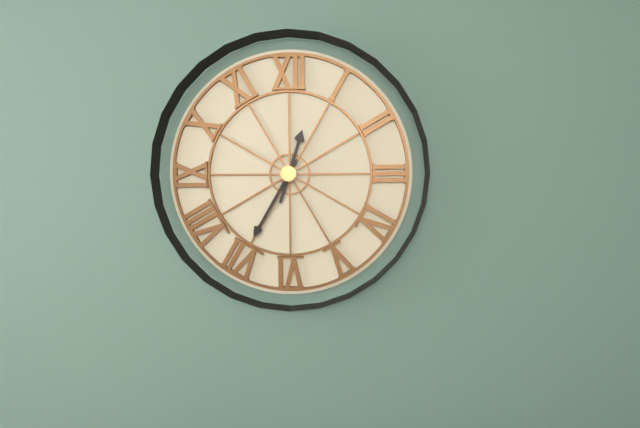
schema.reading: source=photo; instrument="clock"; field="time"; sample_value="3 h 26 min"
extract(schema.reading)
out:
12 h 35 min
